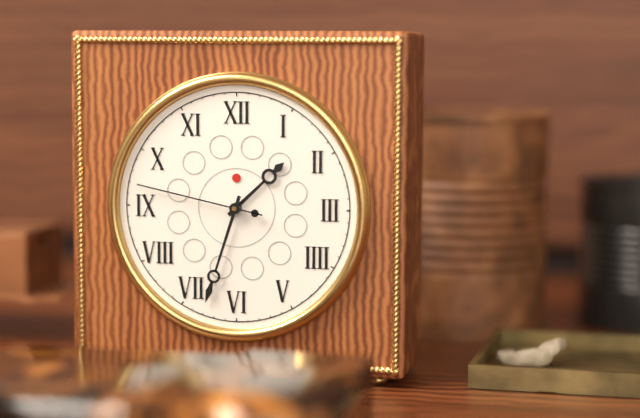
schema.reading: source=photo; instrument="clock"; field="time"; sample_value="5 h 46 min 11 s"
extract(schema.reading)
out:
1 h 33 min 47 s
